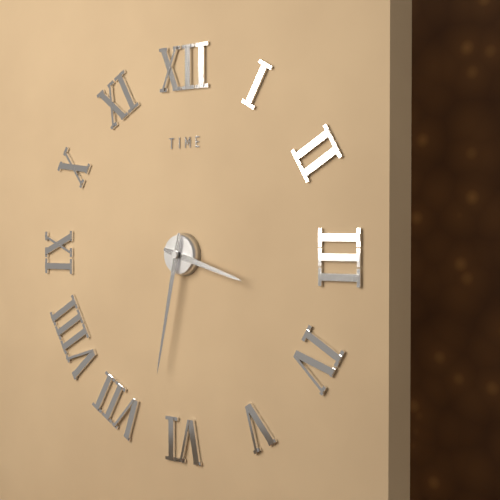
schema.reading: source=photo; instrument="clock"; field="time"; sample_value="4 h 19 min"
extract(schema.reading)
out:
3 h 32 min
